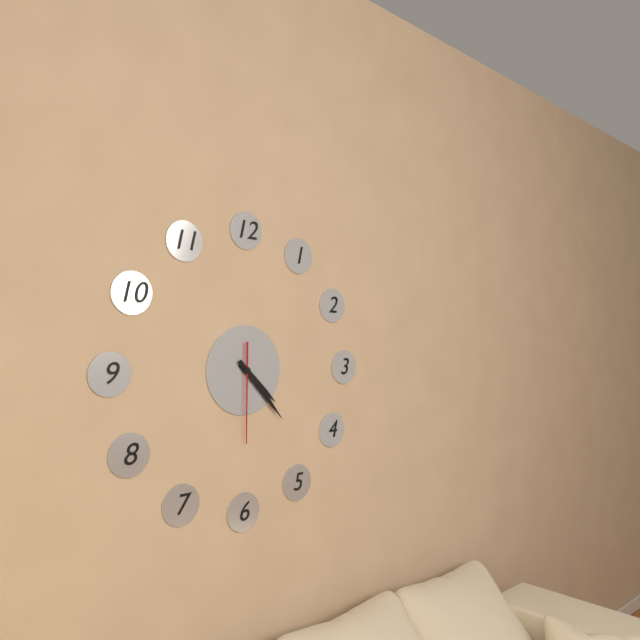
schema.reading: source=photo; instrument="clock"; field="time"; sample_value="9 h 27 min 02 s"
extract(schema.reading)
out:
4 h 23 min 30 s
